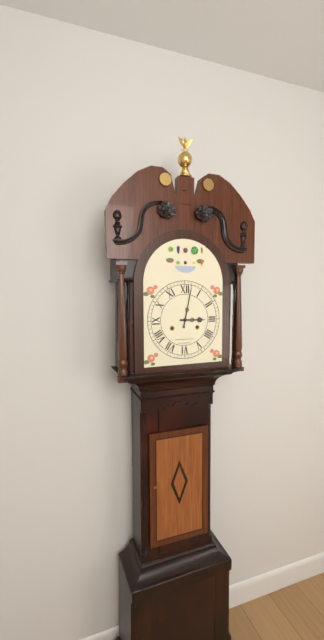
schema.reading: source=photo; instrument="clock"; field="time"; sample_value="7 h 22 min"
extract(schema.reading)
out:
3 h 02 min
